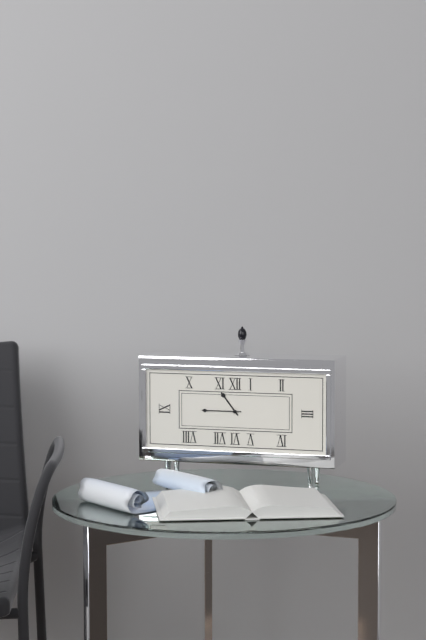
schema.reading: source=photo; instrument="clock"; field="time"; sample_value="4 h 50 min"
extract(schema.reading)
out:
10 h 45 min
